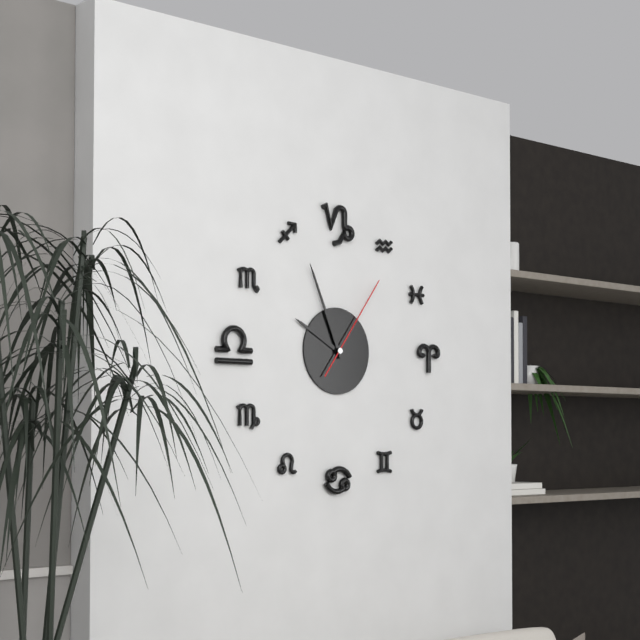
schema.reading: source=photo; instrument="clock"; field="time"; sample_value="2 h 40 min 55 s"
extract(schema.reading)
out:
9 h 56 min 06 s
